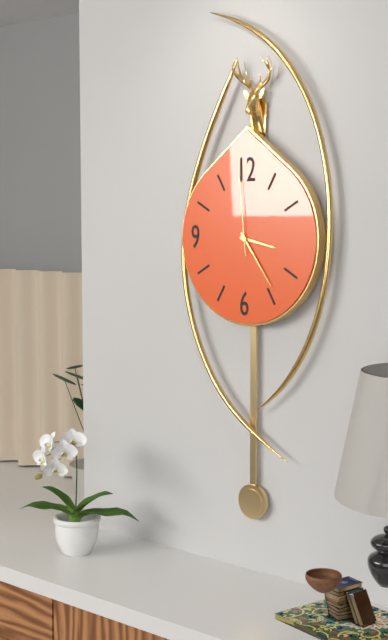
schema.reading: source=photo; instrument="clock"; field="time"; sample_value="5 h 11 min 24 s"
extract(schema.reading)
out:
3 h 24 min 59 s
